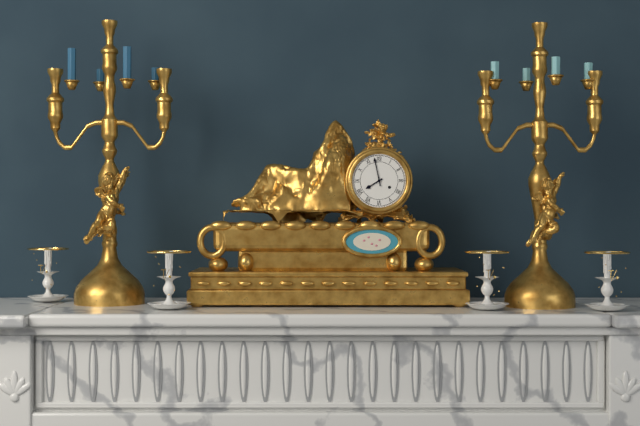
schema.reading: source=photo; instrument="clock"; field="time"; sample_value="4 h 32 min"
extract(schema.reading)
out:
7 h 58 min
